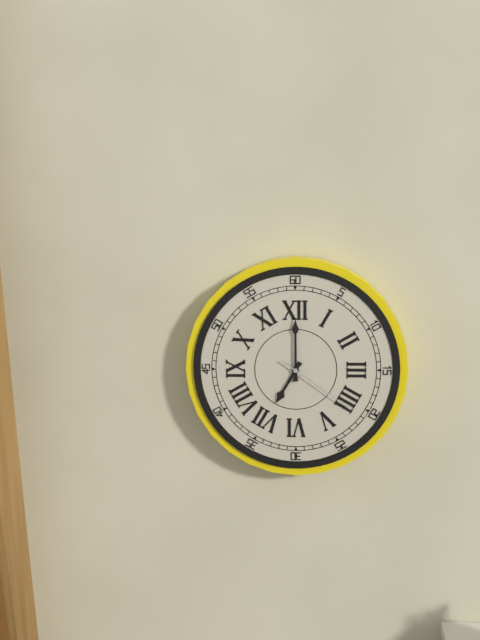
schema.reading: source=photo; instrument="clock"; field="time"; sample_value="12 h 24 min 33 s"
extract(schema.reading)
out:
7 h 00 min 21 s
